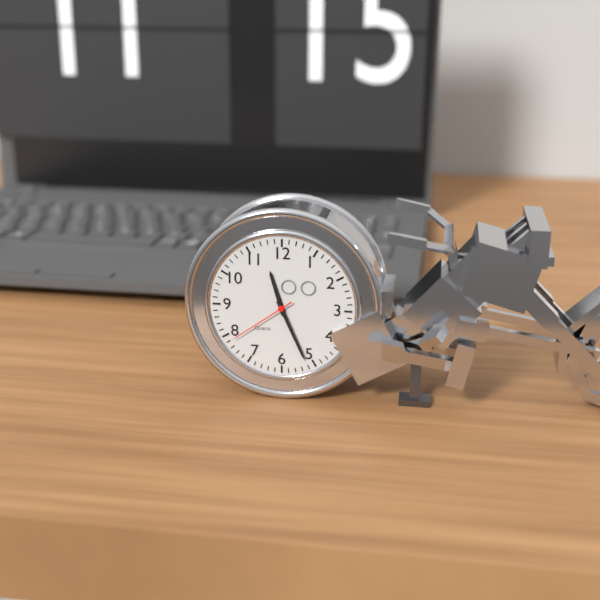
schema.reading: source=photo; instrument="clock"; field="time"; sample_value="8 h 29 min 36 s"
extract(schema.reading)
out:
11 h 26 min 39 s
